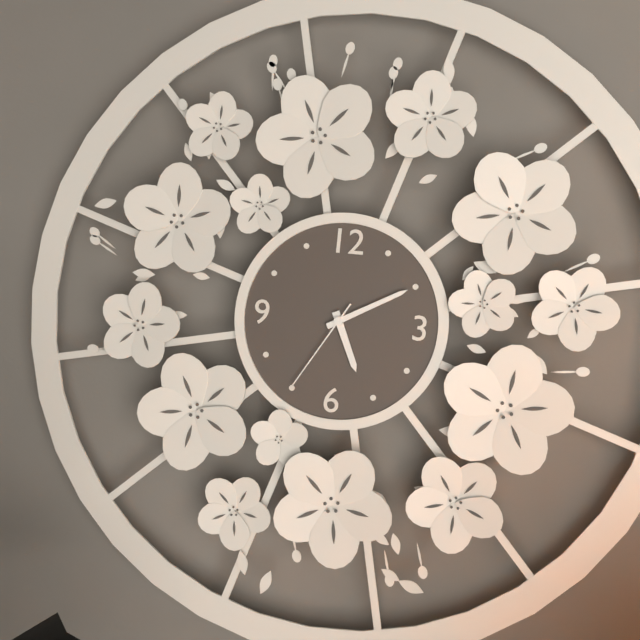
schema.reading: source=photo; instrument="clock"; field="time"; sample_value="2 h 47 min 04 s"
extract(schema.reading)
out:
5 h 10 min 35 s
